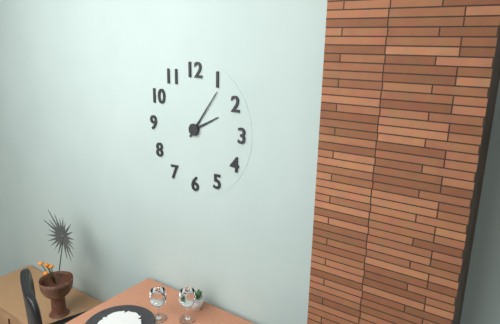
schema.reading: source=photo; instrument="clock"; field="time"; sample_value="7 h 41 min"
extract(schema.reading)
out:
2 h 06 min
